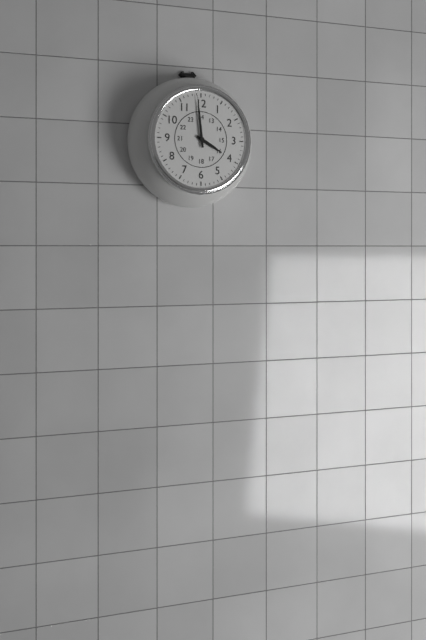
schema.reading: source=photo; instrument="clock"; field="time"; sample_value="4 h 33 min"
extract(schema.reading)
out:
3 h 59 min
